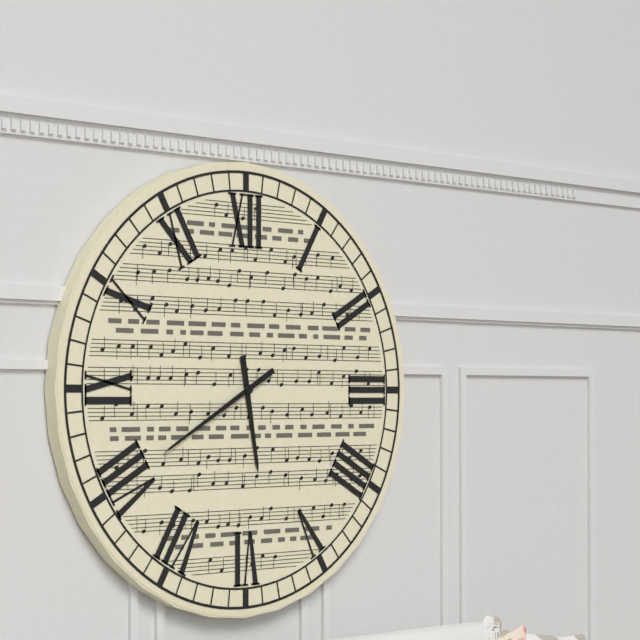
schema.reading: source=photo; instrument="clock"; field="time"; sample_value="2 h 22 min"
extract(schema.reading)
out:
5 h 40 min
